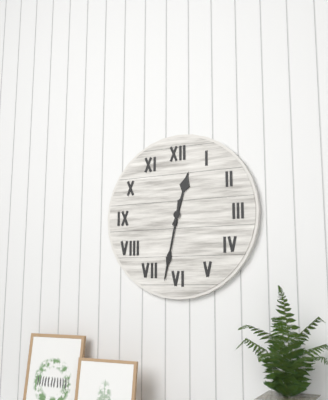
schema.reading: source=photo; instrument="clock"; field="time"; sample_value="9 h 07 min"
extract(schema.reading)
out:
12 h 32 min
